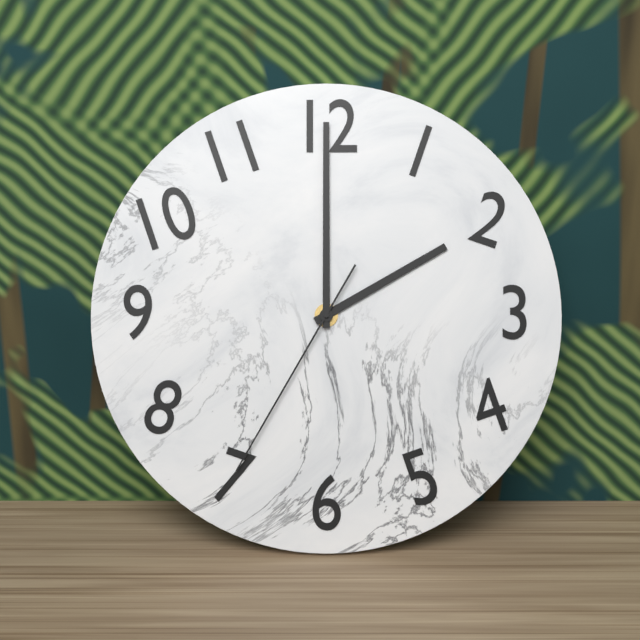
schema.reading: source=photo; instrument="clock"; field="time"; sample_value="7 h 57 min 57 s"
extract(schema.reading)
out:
2 h 00 min 35 s
